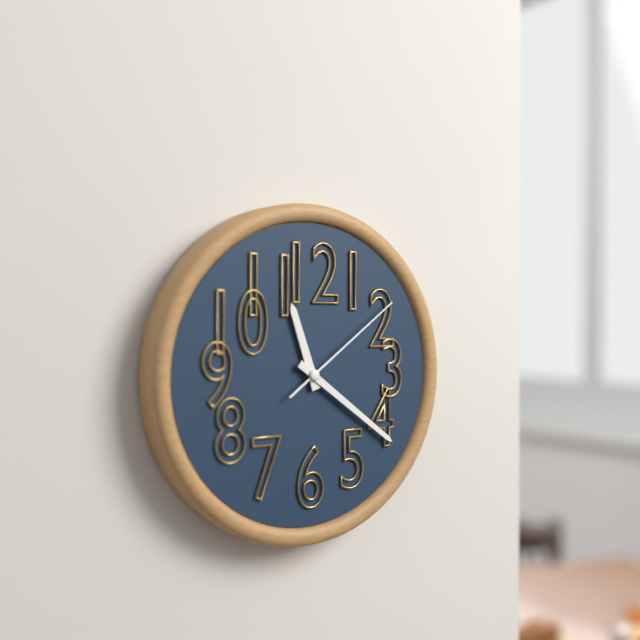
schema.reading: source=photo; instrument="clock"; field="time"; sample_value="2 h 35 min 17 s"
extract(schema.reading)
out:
11 h 21 min 09 s
